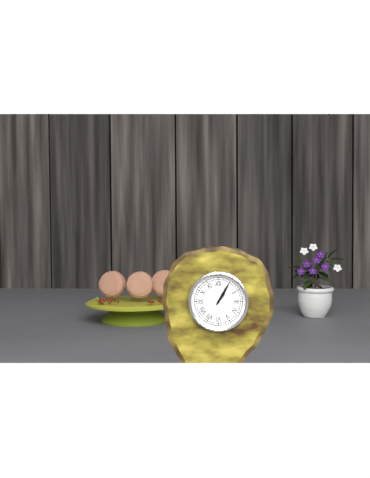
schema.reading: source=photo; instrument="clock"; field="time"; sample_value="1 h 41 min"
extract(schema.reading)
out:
1 h 05 min
